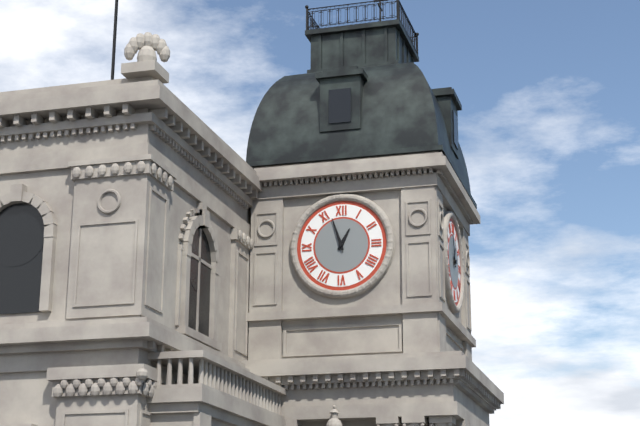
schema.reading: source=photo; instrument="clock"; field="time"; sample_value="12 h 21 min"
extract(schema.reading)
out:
12 h 57 min
